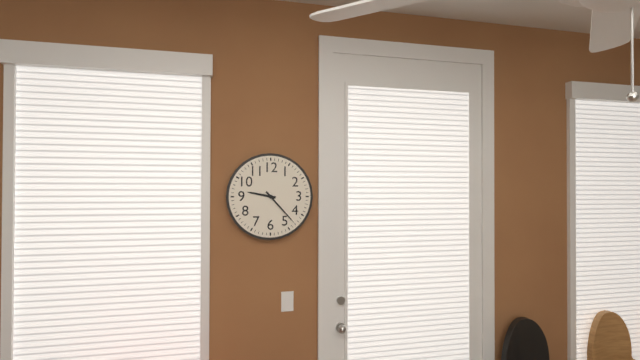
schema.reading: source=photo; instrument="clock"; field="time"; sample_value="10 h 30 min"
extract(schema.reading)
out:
9 h 23 min
